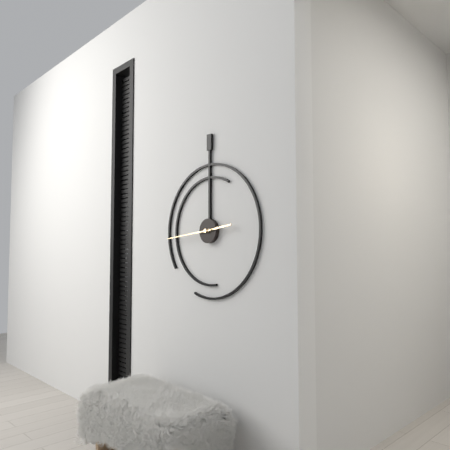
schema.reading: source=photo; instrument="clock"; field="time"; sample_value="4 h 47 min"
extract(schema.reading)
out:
2 h 44 min
